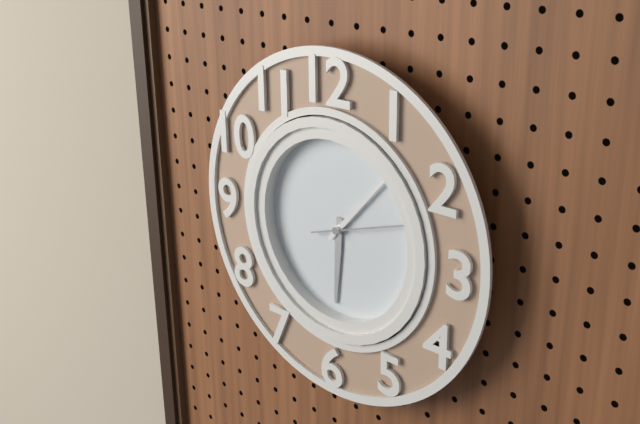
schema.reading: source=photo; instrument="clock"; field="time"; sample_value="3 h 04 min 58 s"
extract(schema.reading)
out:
6 h 07 min 12 s
